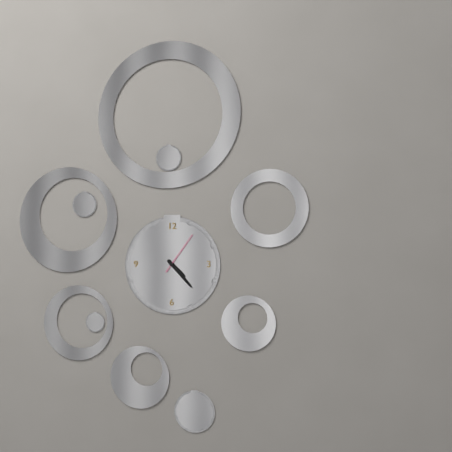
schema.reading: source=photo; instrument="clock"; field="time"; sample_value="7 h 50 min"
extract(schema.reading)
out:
4 h 23 min
